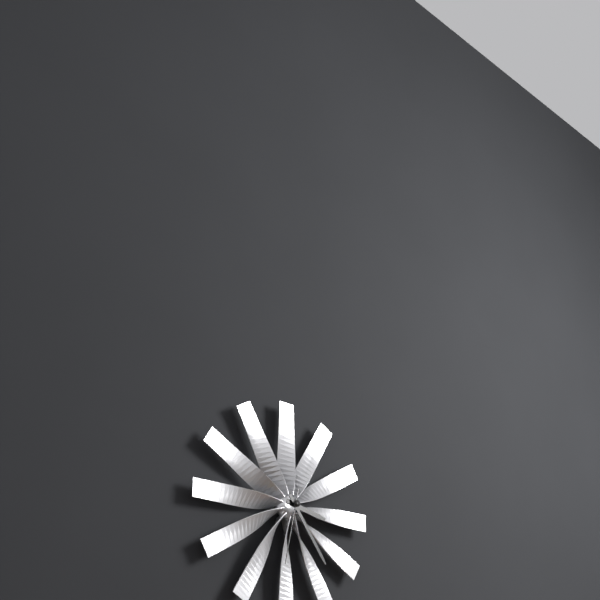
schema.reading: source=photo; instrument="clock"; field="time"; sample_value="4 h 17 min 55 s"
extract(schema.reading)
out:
3 h 24 min 32 s
